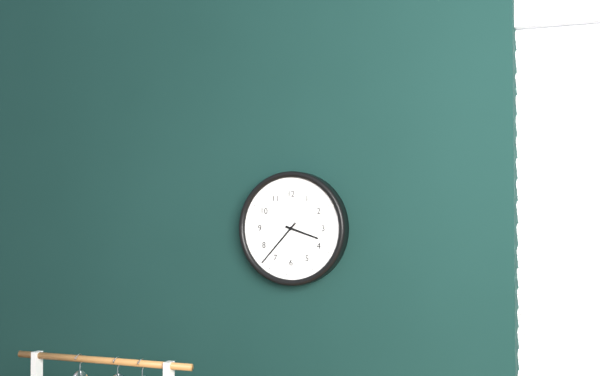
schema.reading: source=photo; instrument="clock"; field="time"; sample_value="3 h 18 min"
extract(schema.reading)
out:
3 h 37 min
